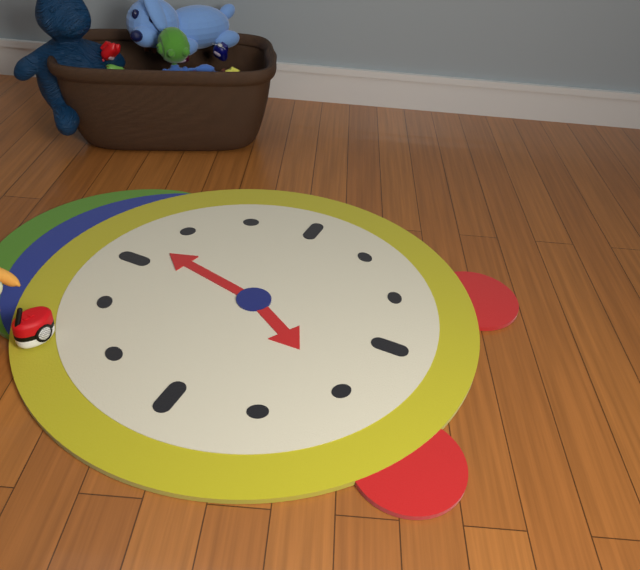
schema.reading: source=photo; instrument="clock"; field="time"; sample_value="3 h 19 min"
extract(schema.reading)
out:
7 h 02 min
